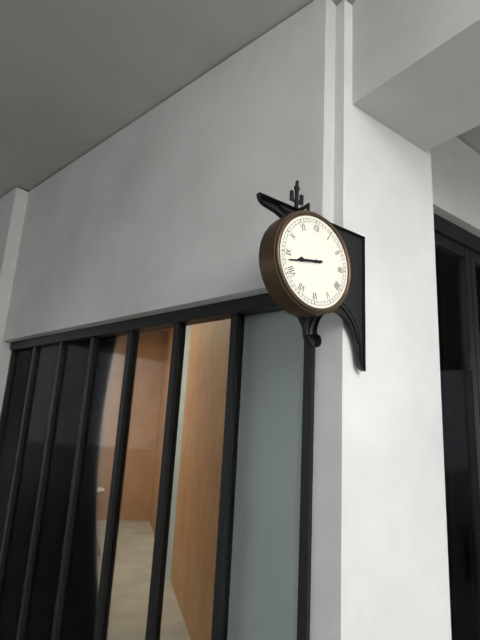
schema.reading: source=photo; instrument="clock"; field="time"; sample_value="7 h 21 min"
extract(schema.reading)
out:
8 h 43 min
